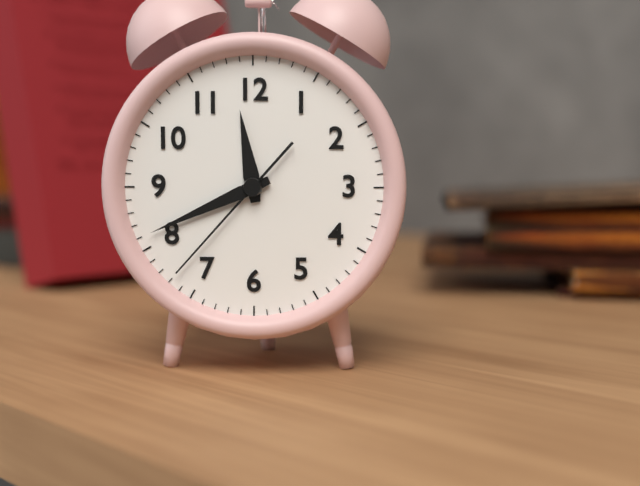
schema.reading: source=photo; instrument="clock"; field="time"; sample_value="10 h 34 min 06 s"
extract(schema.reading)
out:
11 h 41 min 37 s
